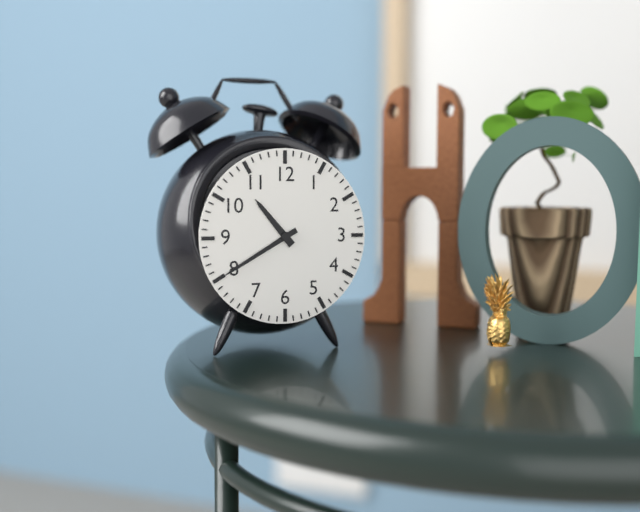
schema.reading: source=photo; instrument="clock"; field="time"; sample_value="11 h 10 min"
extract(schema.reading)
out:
10 h 40 min
